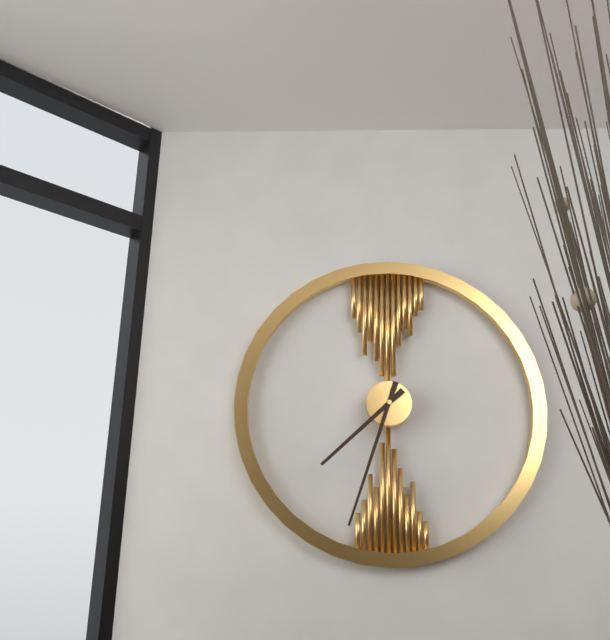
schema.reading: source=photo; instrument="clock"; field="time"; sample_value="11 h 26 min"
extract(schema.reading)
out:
7 h 33 min
